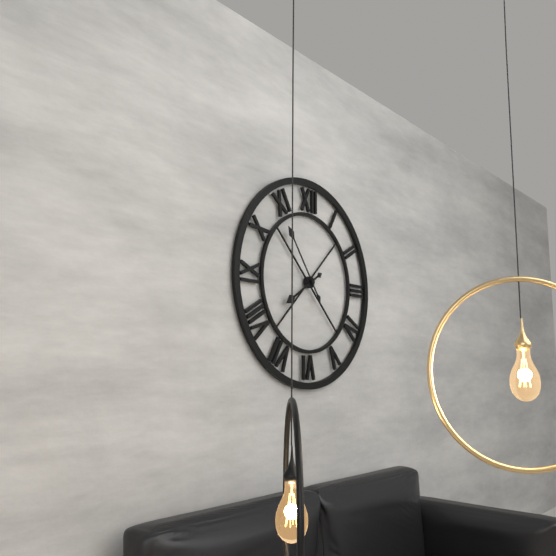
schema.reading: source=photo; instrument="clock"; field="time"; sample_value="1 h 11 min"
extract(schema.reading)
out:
7 h 54 min
